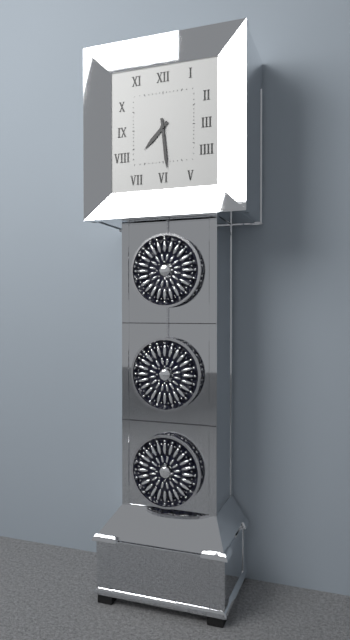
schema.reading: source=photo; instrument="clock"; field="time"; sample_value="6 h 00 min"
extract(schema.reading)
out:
7 h 29 min
